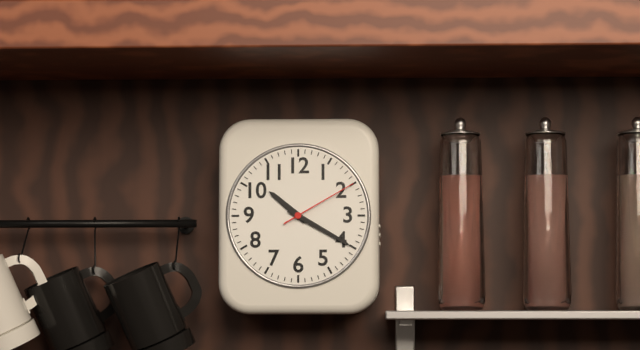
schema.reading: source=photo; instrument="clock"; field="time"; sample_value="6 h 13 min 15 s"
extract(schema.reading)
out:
10 h 20 min 10 s
